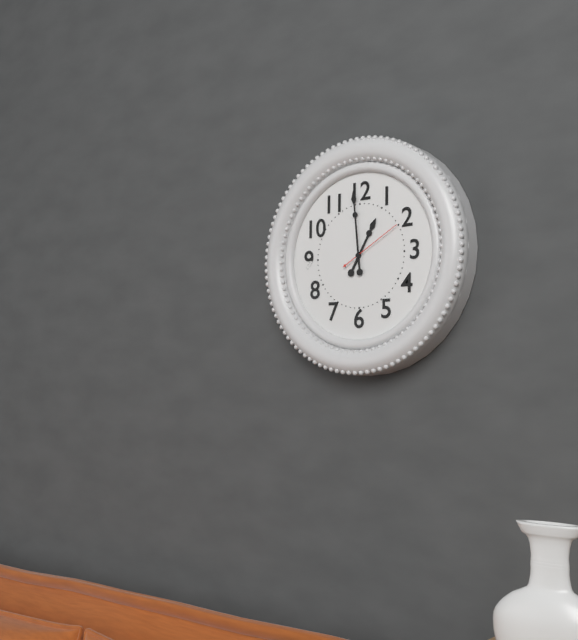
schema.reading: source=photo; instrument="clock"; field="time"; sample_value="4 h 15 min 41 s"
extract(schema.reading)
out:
12 h 59 min 10 s
